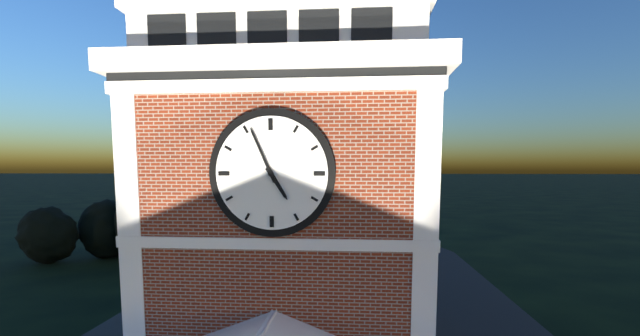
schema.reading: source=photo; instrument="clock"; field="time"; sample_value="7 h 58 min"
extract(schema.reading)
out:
4 h 56 min
